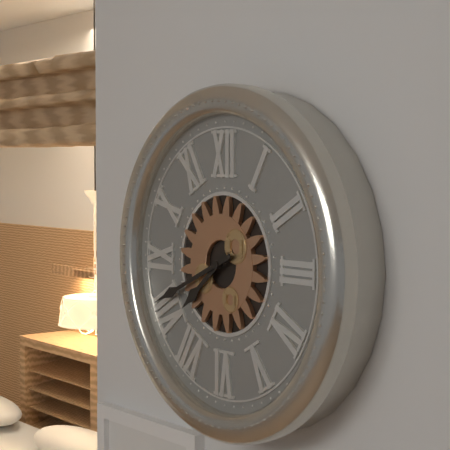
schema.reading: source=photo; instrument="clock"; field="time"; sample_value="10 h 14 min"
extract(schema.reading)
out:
7 h 41 min
